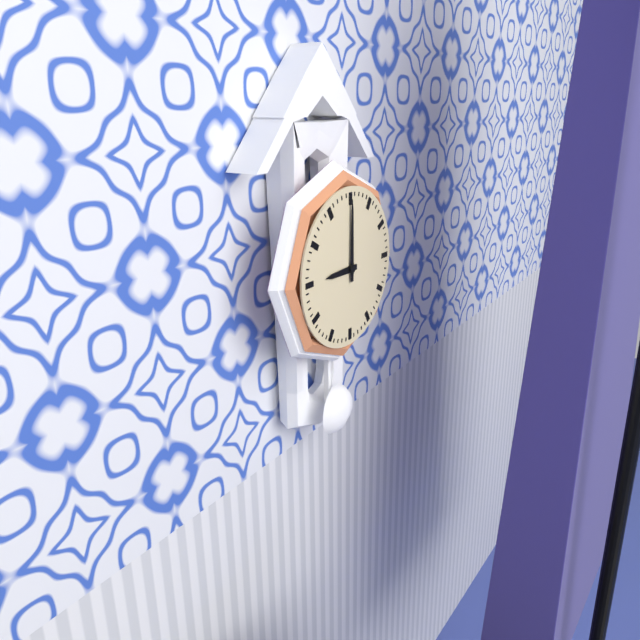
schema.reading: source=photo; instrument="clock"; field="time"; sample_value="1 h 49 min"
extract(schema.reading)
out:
9 h 00 min
